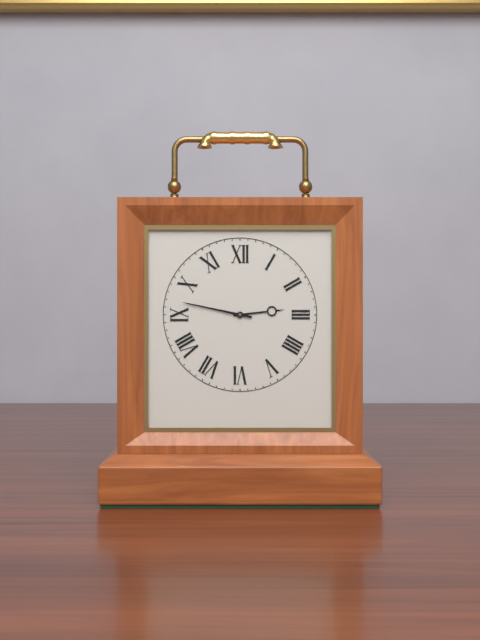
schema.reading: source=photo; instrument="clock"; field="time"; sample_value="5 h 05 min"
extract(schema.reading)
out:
2 h 47 min
